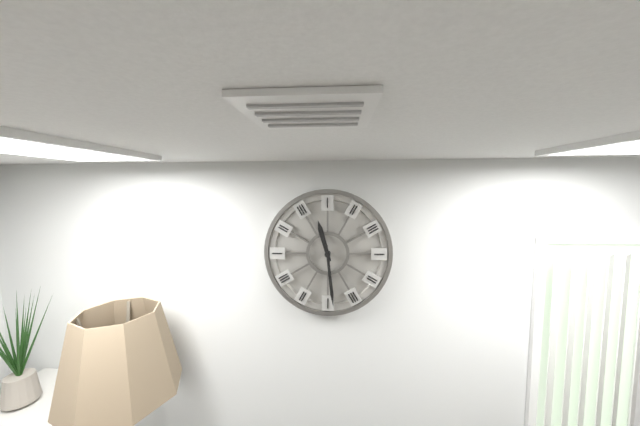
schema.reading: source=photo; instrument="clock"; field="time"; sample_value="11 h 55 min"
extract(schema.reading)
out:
11 h 29 min
